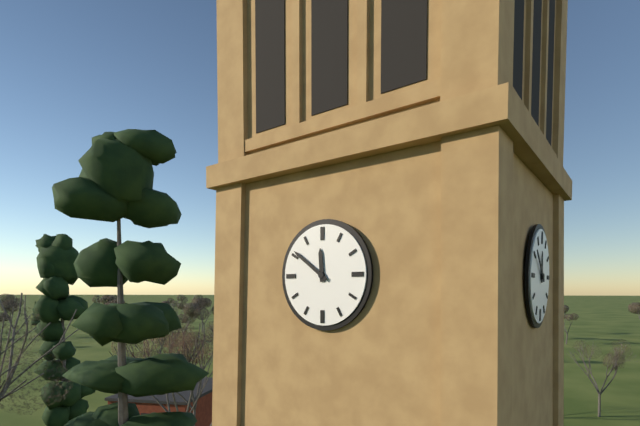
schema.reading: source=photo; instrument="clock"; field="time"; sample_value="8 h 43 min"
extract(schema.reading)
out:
11 h 51 min
